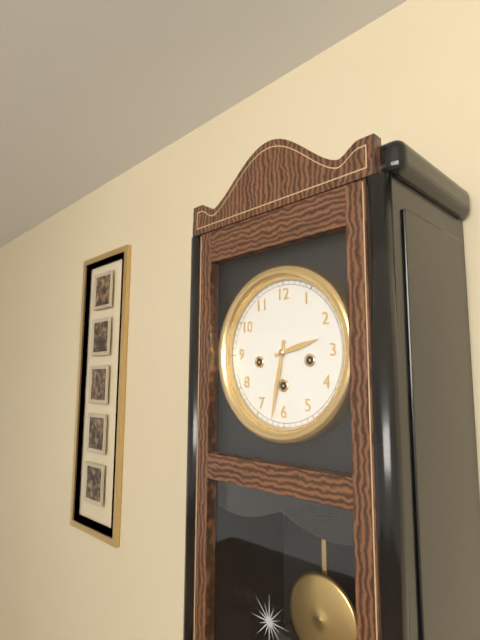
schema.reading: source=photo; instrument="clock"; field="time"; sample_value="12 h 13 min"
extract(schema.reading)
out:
2 h 32 min
